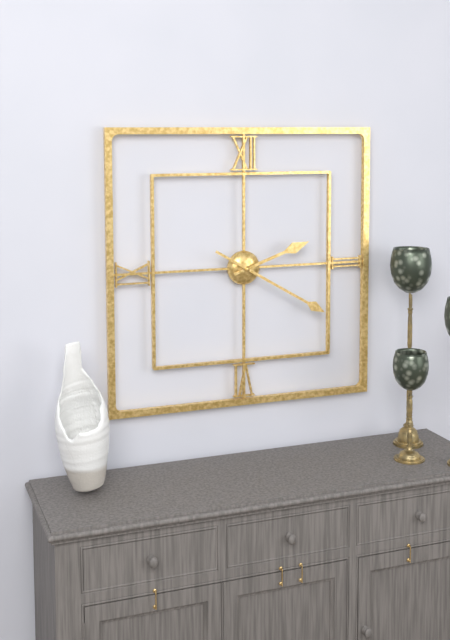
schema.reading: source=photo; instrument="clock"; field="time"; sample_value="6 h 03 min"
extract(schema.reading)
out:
2 h 20 min
